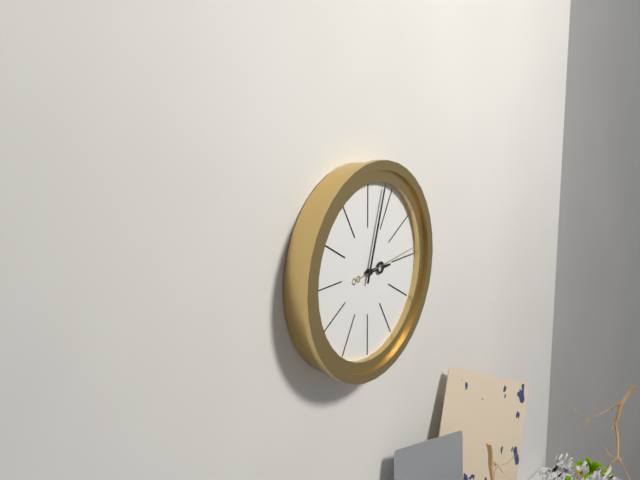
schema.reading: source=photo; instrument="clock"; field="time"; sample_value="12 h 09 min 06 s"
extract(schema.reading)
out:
3 h 03 min 14 s
